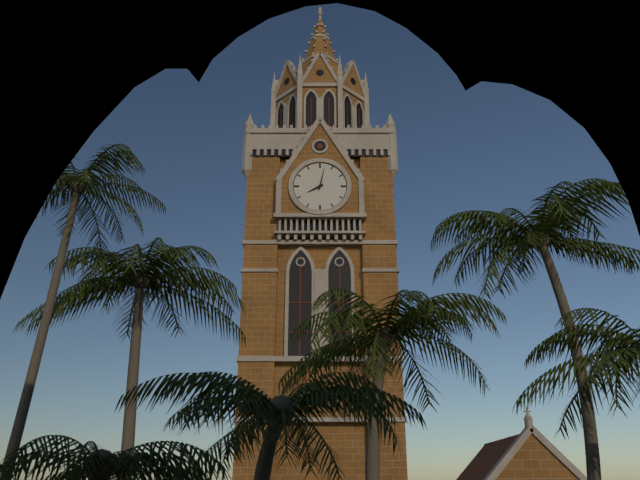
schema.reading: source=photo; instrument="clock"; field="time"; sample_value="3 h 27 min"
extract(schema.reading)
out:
8 h 02 min
